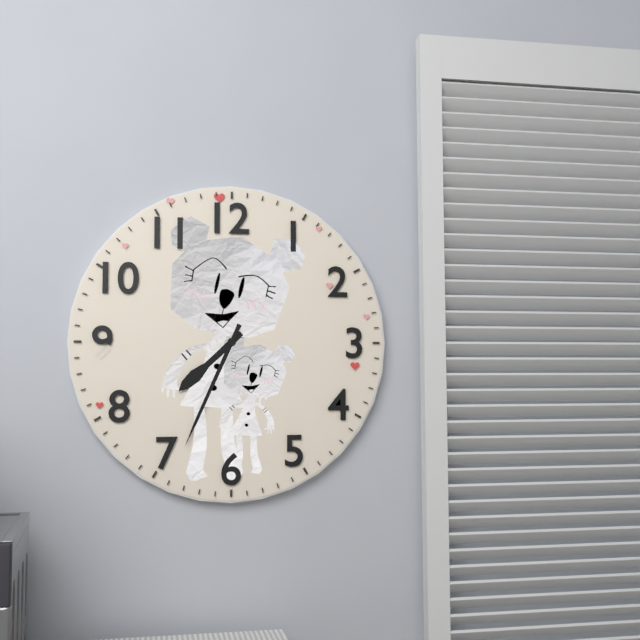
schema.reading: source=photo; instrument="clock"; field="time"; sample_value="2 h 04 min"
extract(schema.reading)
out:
7 h 34 min
